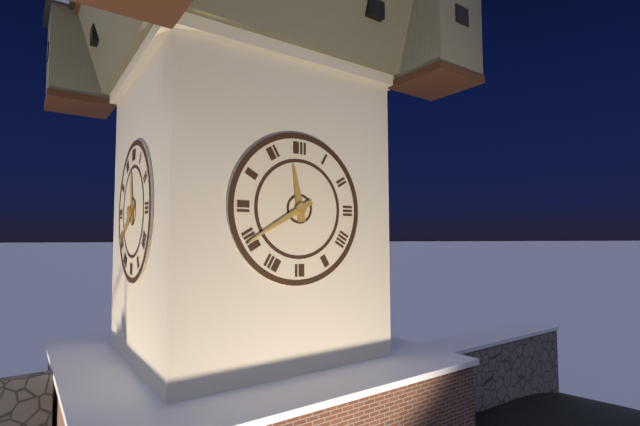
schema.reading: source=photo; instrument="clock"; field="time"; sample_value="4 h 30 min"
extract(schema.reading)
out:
11 h 40 min
